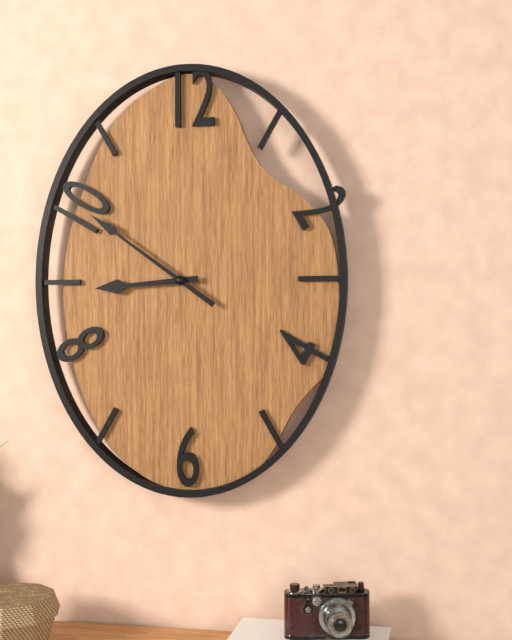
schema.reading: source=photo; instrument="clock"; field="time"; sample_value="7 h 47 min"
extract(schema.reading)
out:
8 h 51 min
